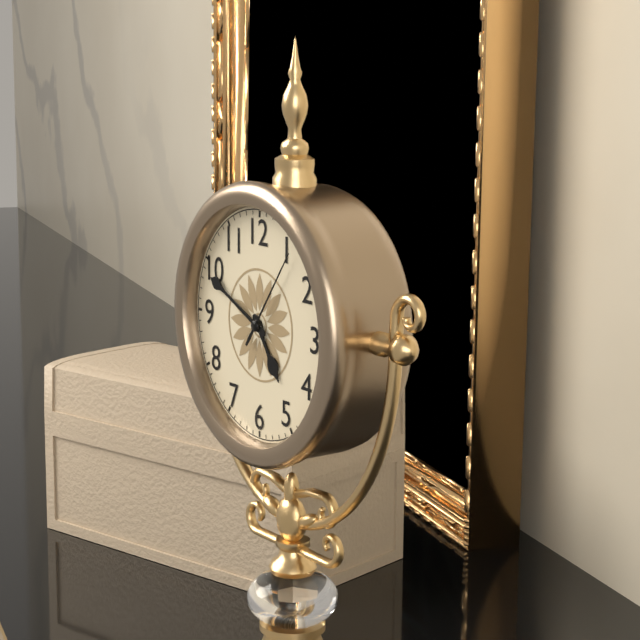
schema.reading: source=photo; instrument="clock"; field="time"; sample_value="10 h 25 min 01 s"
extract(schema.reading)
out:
4 h 49 min 06 s
